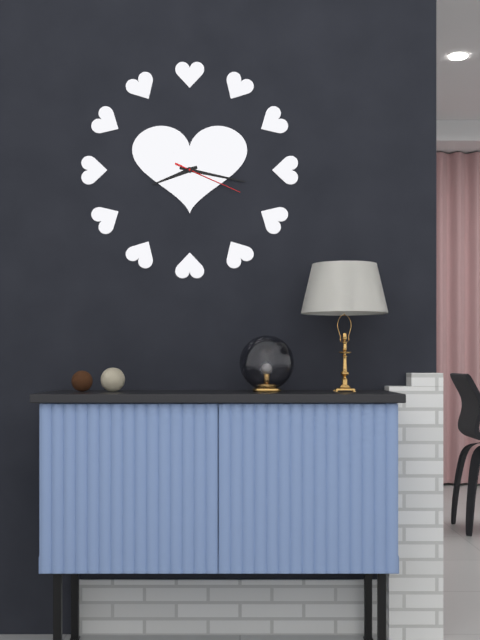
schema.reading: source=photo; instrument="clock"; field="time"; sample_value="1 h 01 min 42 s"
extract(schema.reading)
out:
8 h 17 min 19 s
